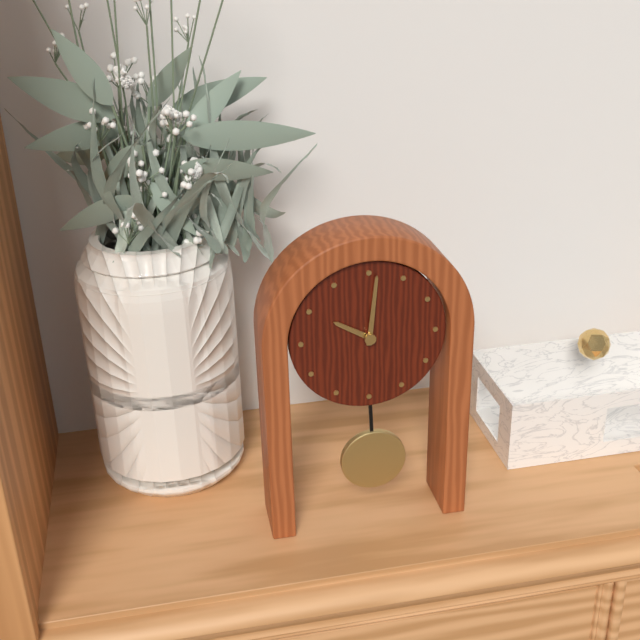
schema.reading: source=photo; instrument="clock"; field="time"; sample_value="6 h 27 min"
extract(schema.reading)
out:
10 h 01 min
